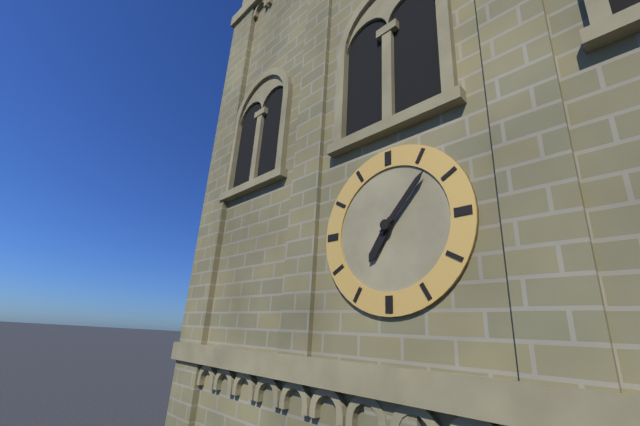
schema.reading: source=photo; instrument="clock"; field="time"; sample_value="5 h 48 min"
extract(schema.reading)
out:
7 h 07 min
